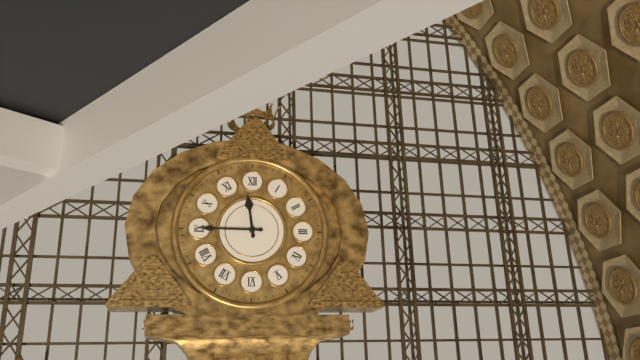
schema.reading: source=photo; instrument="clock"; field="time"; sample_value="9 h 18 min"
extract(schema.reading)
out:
11 h 45 min
